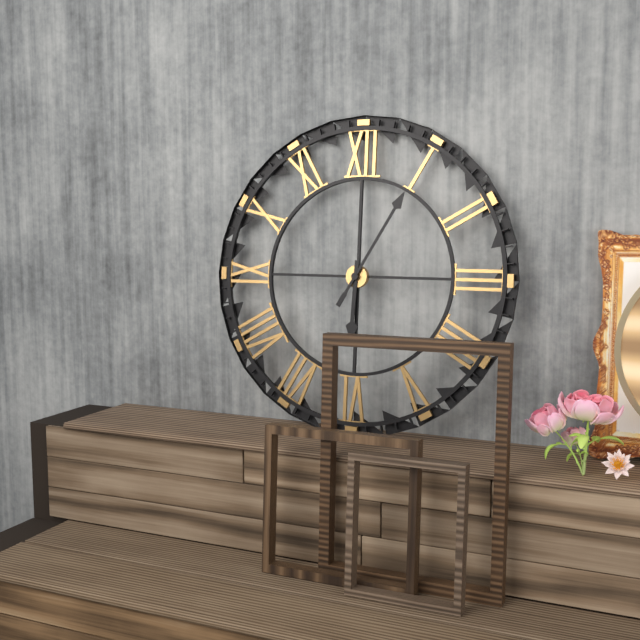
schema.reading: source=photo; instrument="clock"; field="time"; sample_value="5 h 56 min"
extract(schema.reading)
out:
6 h 05 min
